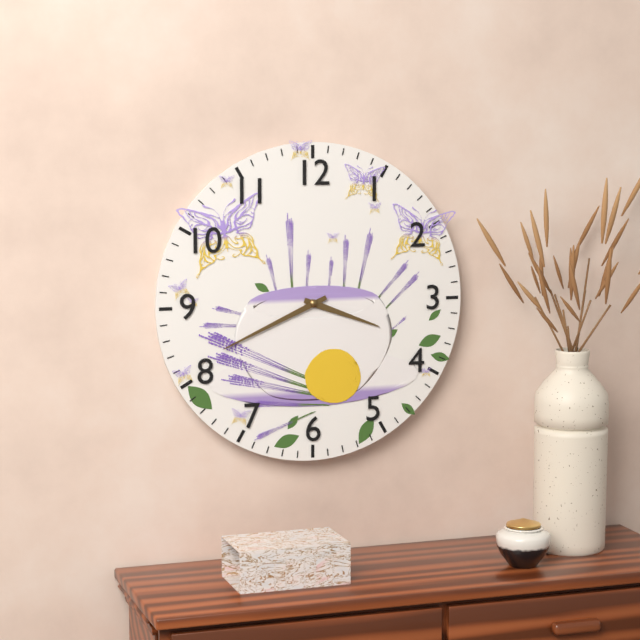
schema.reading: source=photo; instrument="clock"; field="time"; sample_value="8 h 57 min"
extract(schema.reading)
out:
3 h 41 min
